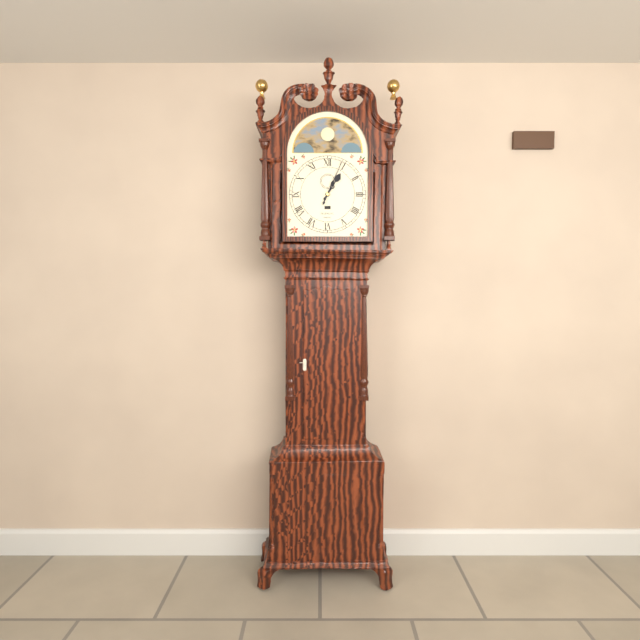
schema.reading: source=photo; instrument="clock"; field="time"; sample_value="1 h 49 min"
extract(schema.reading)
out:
1 h 04 min
